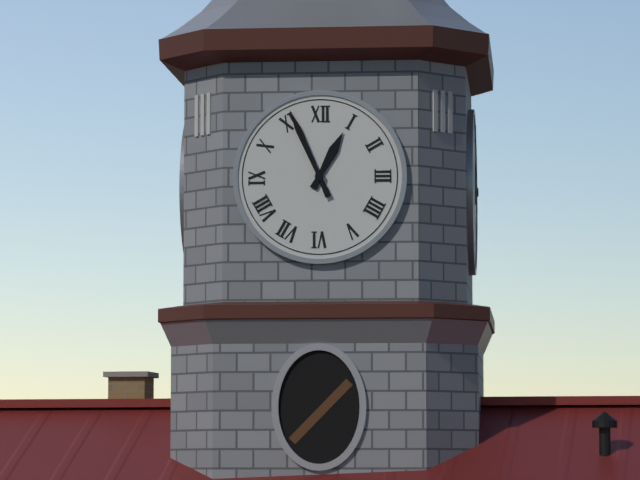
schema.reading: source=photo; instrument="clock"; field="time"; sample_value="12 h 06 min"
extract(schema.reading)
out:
12 h 56 min
